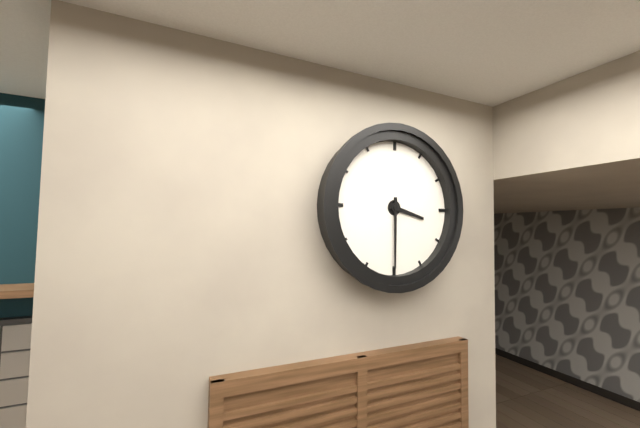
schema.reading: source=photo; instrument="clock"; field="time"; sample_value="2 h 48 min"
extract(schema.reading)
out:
3 h 30 min
